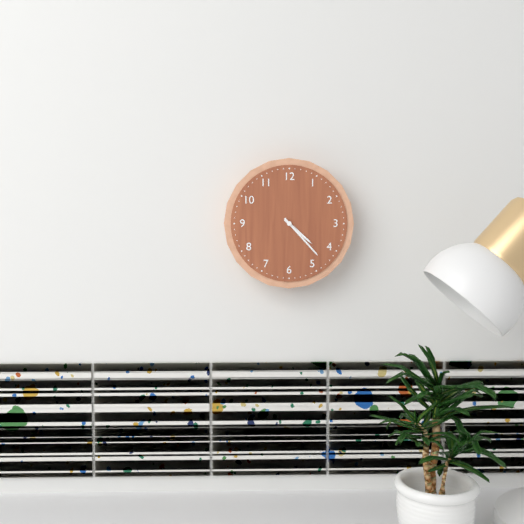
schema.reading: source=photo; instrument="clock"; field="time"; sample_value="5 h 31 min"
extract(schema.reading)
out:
4 h 23 min
